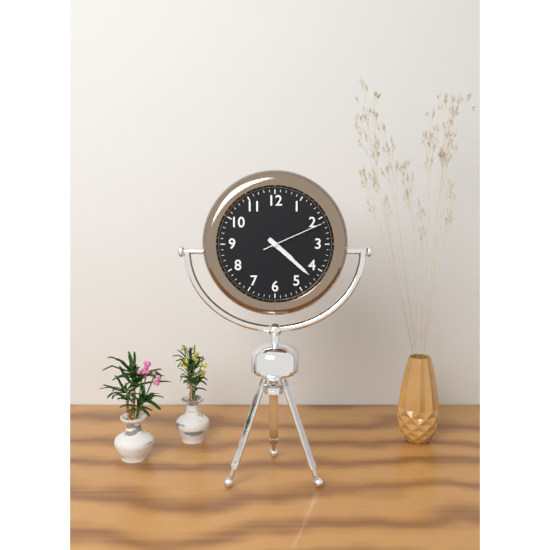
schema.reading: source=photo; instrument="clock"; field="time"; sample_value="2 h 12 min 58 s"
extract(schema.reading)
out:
4 h 22 min 11 s
